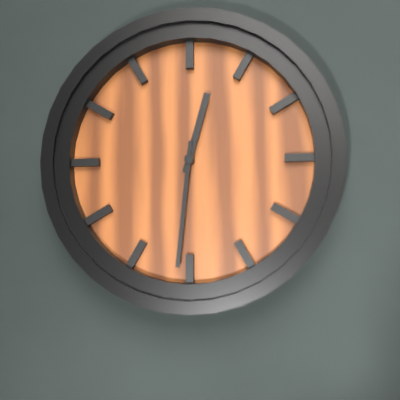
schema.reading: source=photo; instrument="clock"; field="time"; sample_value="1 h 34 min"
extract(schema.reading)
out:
12 h 31 min
